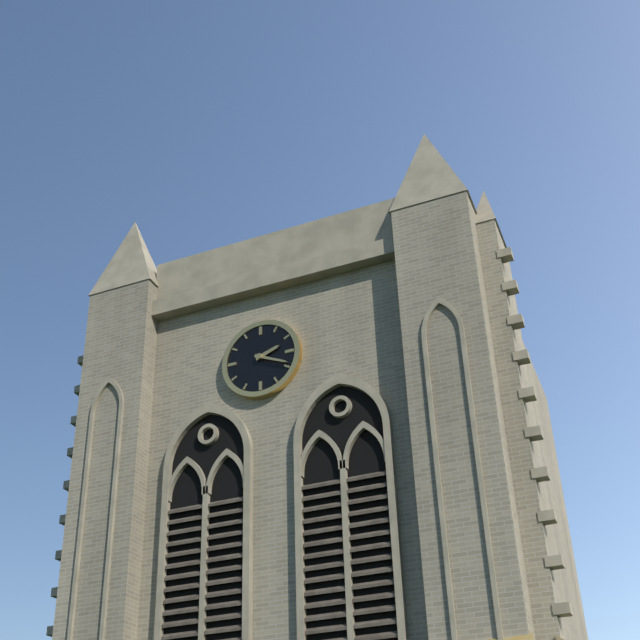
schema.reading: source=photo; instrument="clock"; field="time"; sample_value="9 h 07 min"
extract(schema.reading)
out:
2 h 19 min
